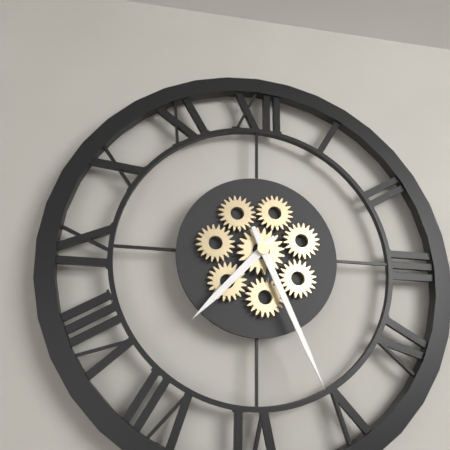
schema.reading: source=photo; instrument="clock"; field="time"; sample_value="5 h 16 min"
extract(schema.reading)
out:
7 h 26 min
